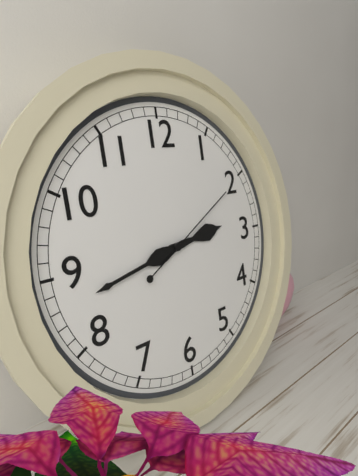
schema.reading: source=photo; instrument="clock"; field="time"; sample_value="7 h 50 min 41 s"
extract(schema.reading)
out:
2 h 43 min 10 s
